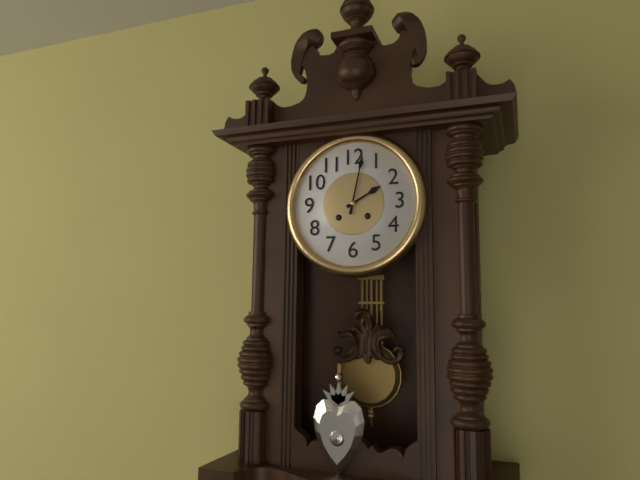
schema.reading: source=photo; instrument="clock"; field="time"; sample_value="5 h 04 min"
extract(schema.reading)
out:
2 h 02 min
